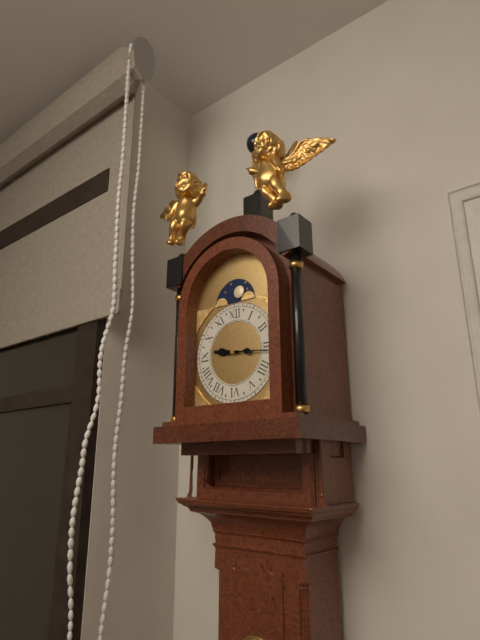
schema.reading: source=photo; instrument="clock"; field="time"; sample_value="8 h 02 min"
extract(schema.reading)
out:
9 h 16 min
